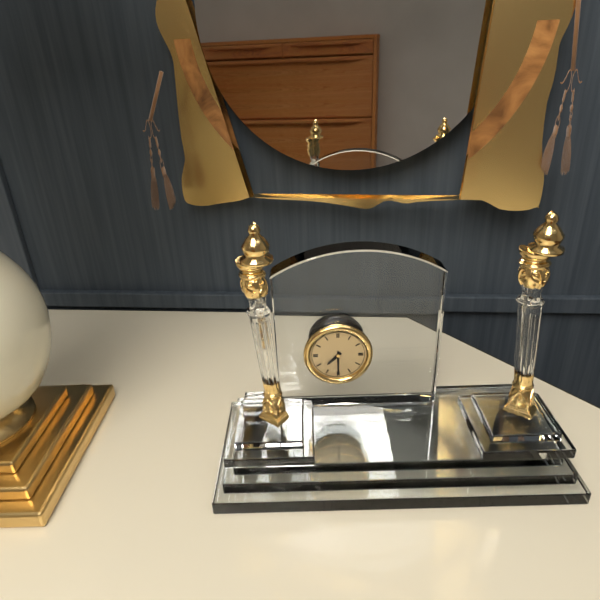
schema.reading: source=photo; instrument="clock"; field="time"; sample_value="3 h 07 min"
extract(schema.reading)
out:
7 h 30 min
